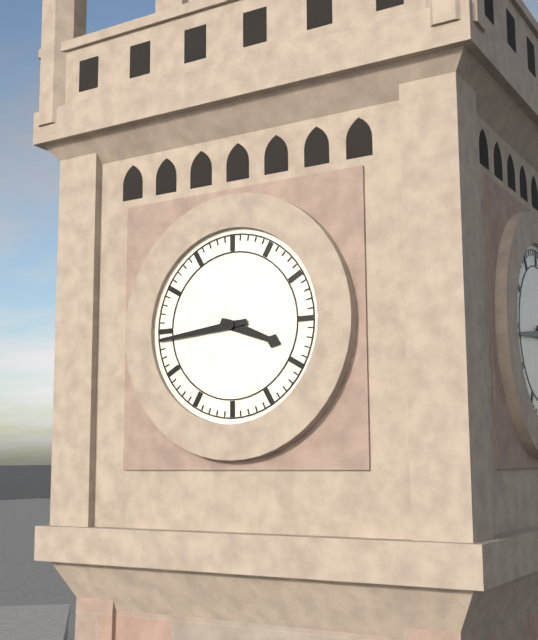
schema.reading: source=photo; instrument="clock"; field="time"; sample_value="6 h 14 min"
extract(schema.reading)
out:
3 h 44 min
